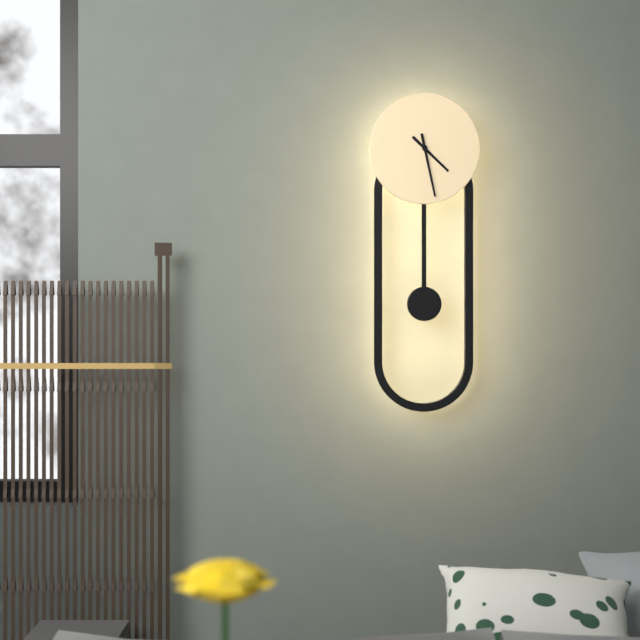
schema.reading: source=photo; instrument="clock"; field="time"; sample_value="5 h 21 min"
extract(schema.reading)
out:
4 h 28 min
